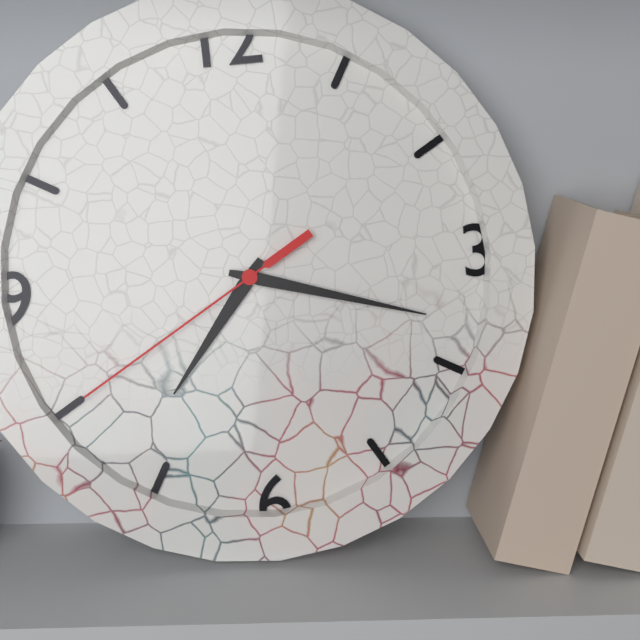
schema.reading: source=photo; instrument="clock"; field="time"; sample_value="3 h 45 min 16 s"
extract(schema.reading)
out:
7 h 18 min 40 s
